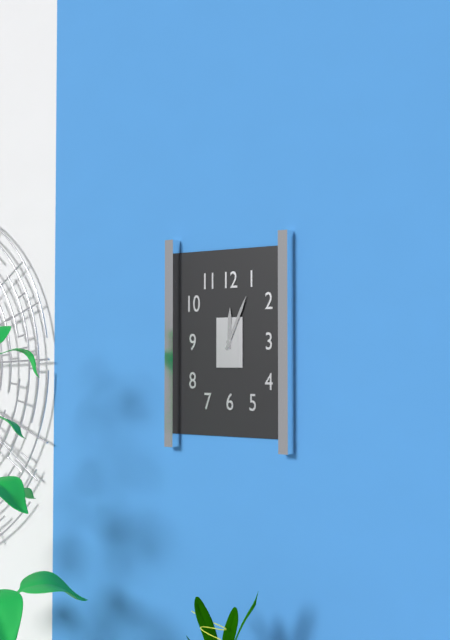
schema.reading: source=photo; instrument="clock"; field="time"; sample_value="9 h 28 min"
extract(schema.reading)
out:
12 h 04 min
